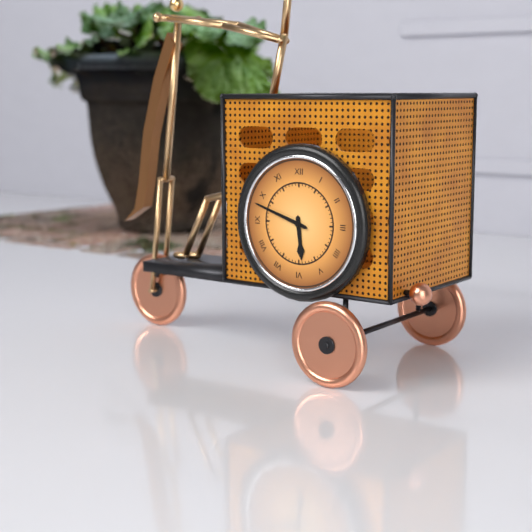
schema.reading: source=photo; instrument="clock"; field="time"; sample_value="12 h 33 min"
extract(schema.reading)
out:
5 h 48 min
